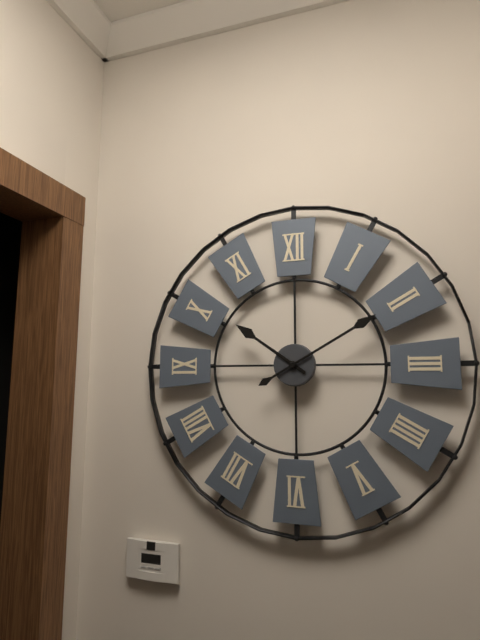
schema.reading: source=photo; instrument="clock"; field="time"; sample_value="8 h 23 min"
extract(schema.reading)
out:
10 h 10 min
